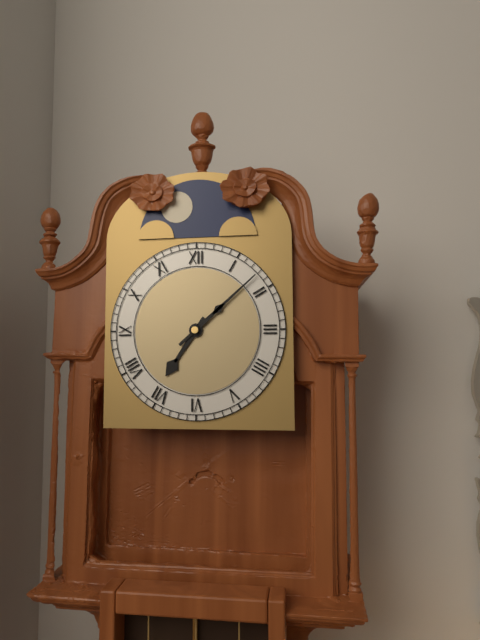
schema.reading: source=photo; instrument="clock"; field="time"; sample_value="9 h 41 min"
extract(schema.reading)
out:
7 h 08 min
